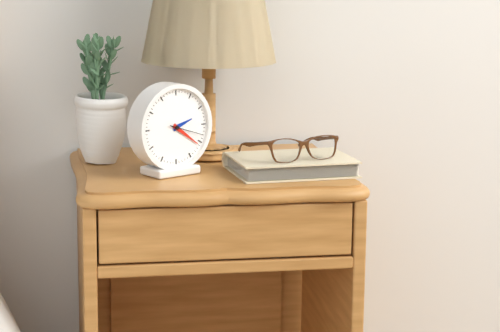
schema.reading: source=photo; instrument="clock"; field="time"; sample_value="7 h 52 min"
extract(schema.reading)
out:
2 h 21 min
